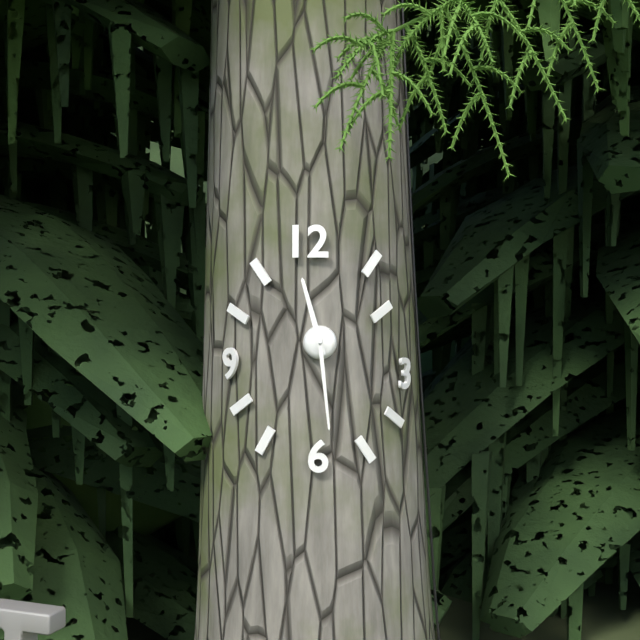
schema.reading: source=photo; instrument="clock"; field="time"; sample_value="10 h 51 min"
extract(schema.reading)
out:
11 h 29 min
